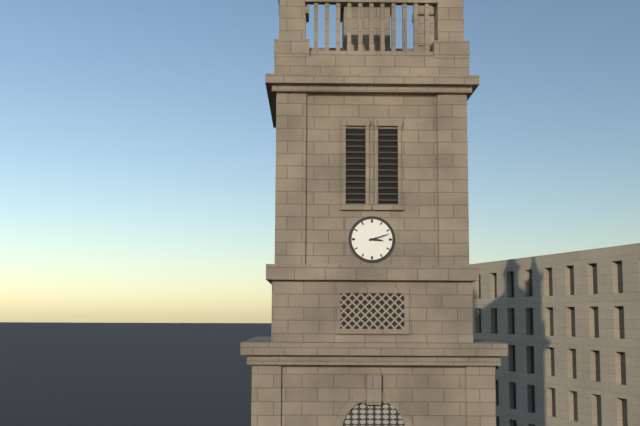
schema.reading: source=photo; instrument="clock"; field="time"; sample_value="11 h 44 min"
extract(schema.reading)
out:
3 h 12 min
